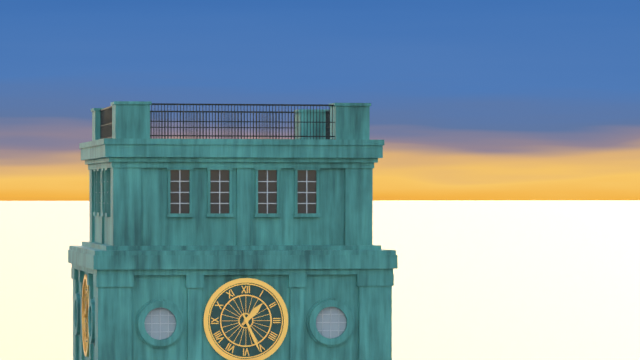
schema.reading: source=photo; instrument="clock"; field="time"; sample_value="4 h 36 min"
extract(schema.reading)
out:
1 h 26 min
